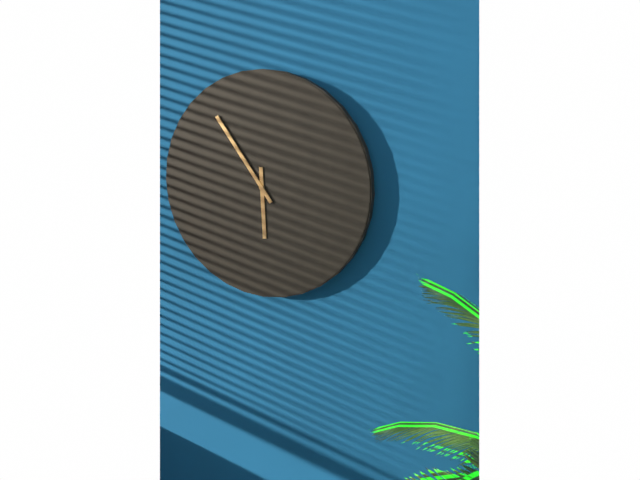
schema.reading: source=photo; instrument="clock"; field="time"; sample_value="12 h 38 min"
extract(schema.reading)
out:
5 h 54 min
